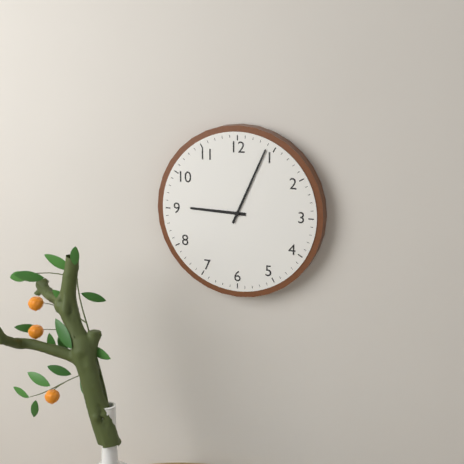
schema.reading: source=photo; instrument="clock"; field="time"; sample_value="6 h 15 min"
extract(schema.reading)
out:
9 h 04 min
